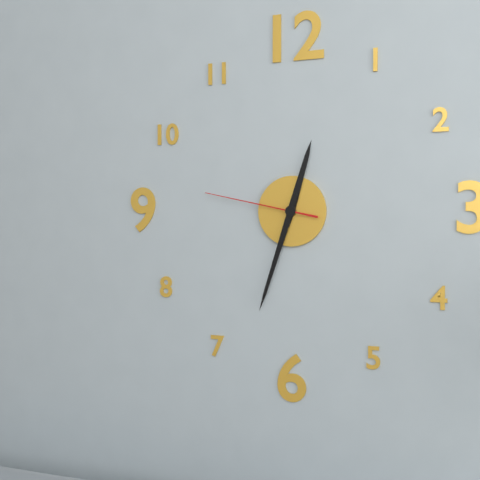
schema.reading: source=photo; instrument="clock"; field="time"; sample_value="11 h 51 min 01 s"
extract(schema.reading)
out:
12 h 33 min 47 s
